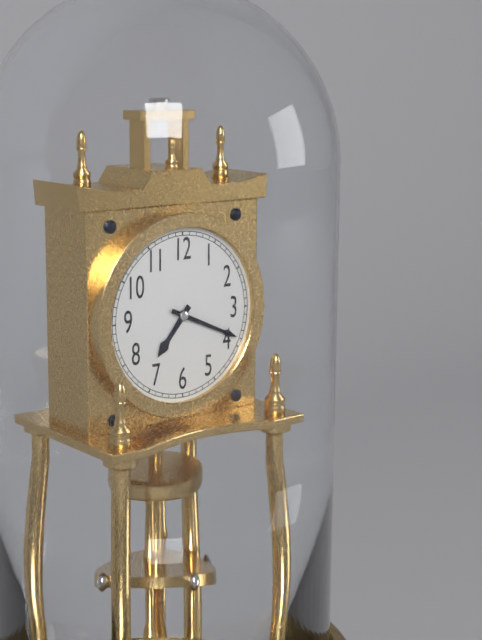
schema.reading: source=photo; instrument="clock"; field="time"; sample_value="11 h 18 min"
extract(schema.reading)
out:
7 h 19 min
